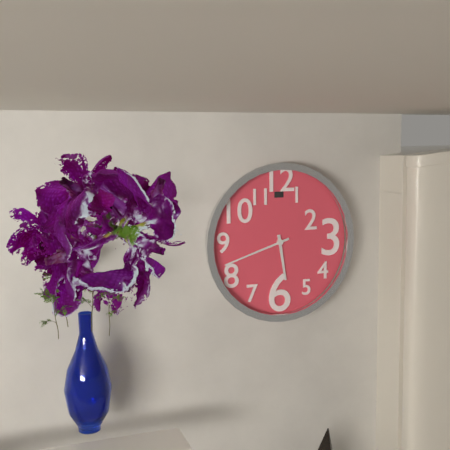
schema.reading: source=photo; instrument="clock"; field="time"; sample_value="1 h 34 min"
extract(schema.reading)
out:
5 h 42 min
